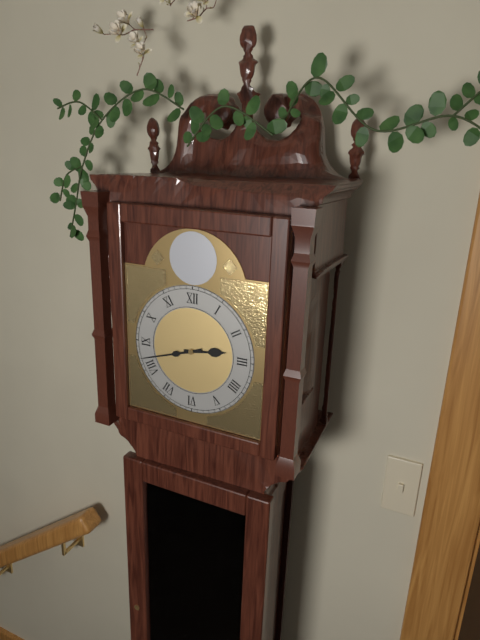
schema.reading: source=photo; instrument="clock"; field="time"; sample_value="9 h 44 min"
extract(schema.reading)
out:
2 h 42 min
